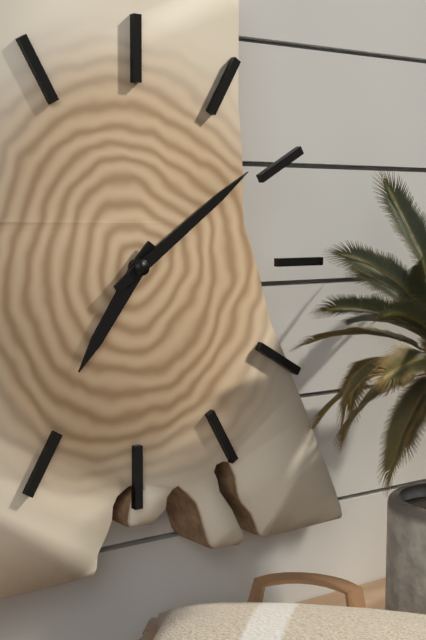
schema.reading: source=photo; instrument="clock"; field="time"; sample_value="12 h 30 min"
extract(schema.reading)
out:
7 h 09 min
